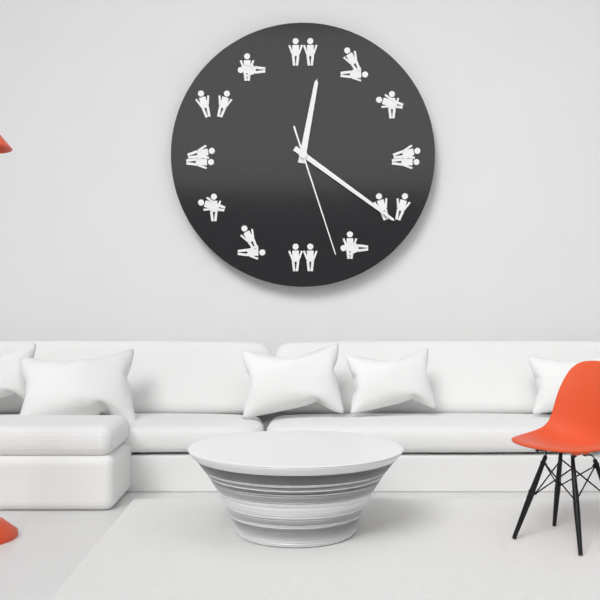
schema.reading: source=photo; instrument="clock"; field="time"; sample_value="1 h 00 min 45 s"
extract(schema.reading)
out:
12 h 21 min 27 s
